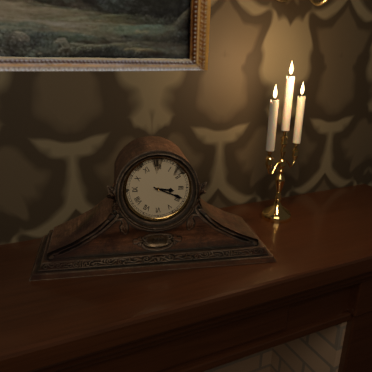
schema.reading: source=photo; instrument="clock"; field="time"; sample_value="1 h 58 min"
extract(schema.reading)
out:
3 h 19 min
